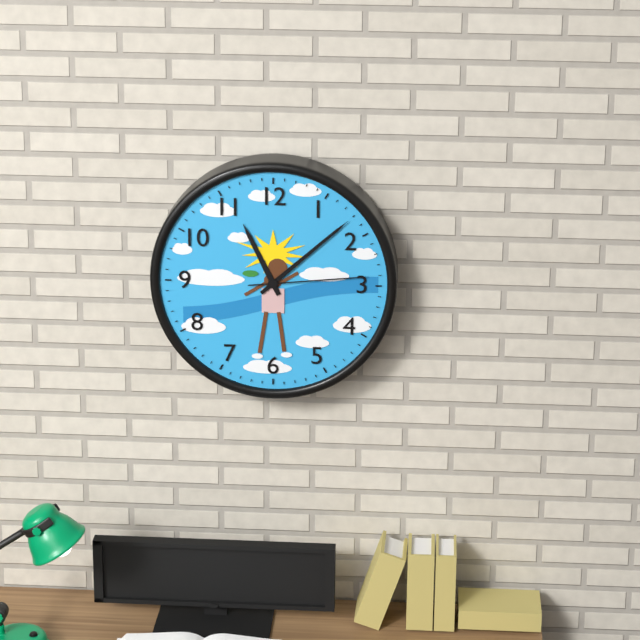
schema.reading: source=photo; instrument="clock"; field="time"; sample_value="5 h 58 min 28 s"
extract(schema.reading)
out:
11 h 08 min 14 s
